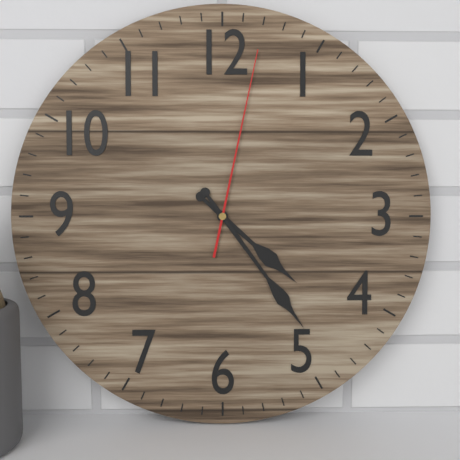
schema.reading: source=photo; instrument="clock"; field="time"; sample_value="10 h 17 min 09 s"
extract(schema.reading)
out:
4 h 24 min 02 s
